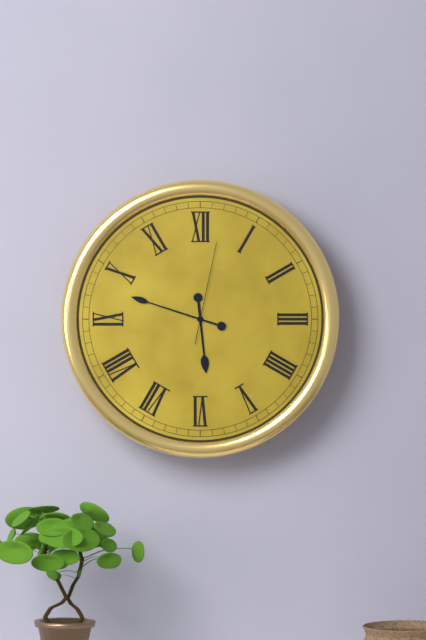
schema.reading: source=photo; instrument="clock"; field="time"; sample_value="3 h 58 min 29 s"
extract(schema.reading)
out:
5 h 48 min 02 s
